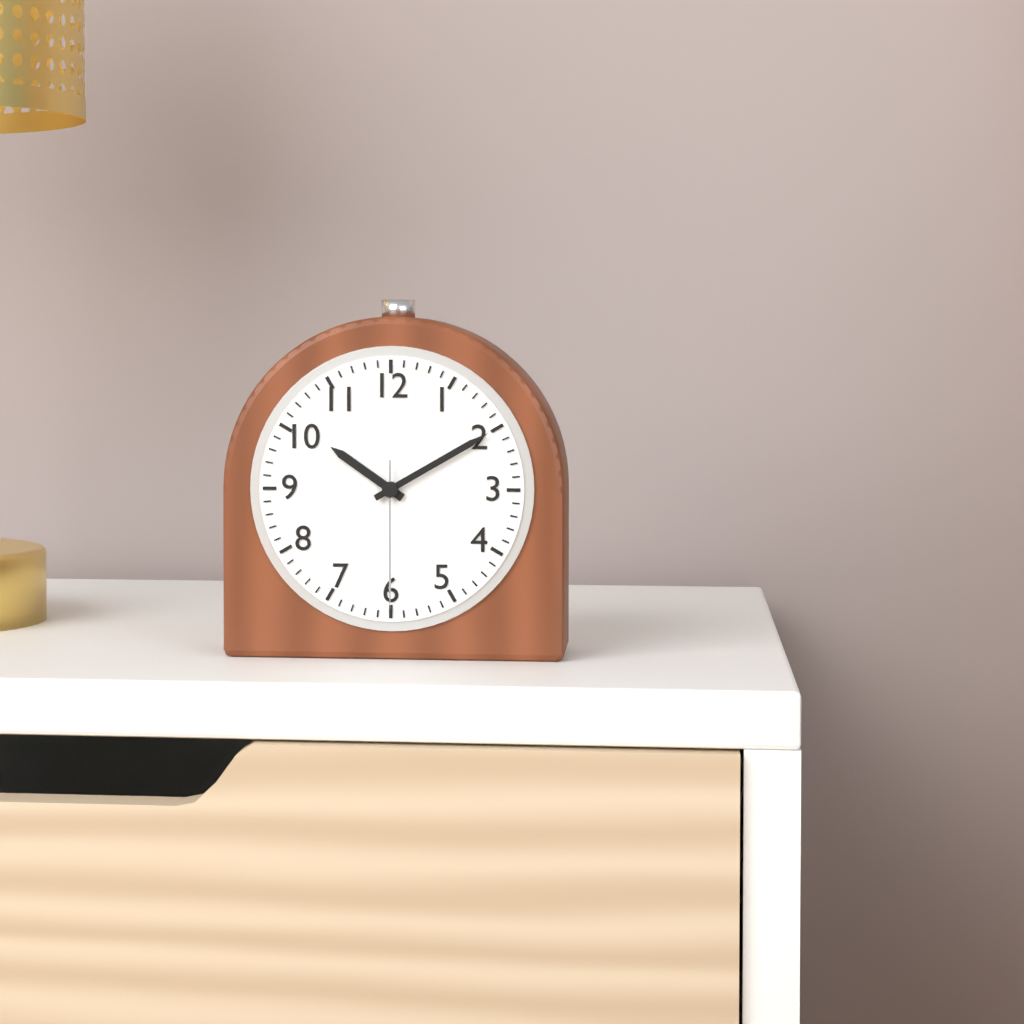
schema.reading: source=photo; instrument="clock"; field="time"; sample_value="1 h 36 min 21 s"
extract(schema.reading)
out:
10 h 10 min 30 s
